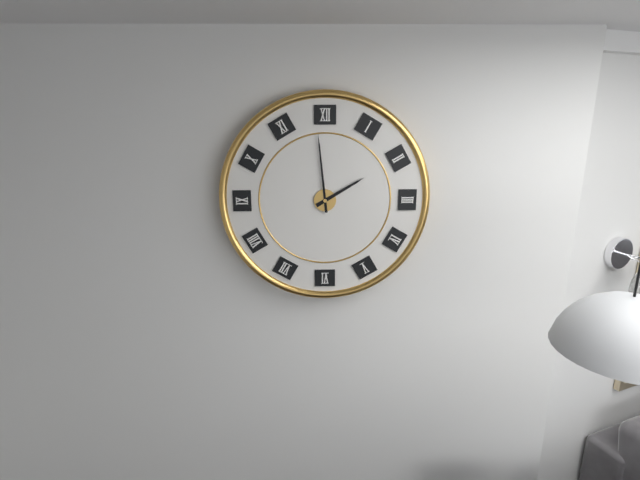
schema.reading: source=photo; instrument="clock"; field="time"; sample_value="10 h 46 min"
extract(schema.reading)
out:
1 h 59 min
